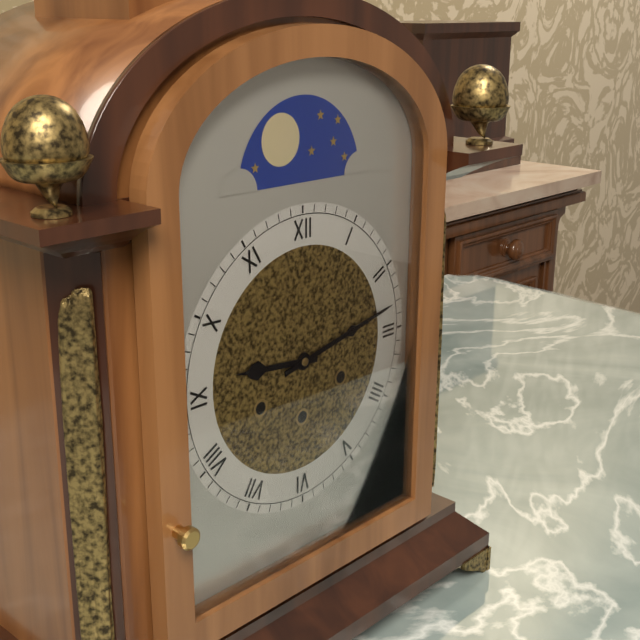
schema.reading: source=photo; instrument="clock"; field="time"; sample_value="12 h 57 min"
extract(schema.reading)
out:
9 h 13 min
